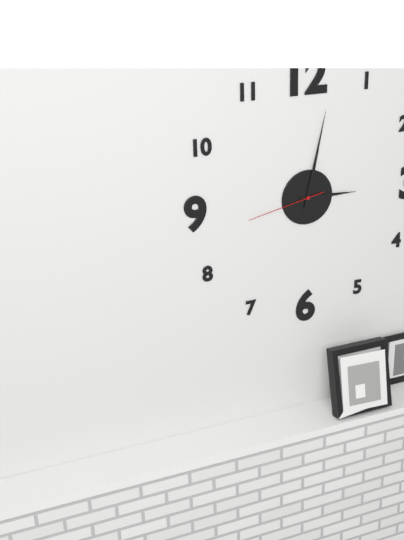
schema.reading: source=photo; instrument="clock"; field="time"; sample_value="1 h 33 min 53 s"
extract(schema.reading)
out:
3 h 02 min 43 s
